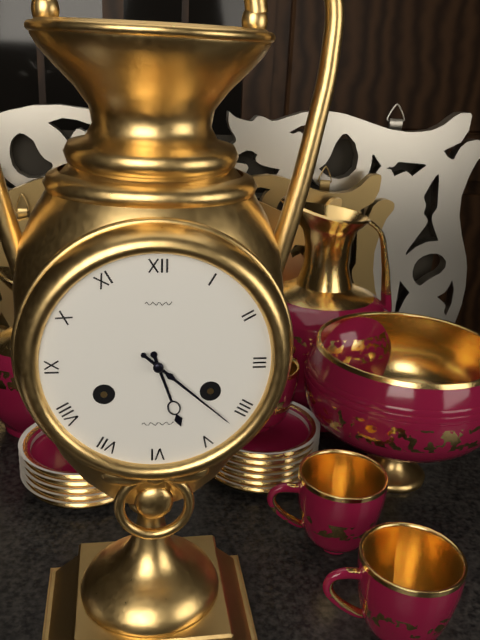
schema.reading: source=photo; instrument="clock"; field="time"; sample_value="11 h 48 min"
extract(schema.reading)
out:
5 h 22 min
